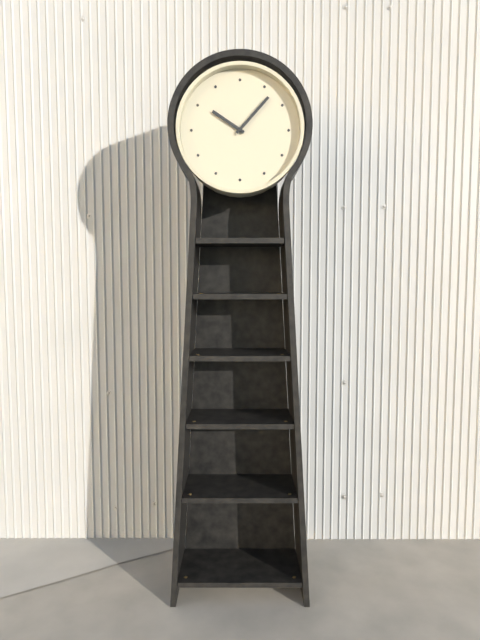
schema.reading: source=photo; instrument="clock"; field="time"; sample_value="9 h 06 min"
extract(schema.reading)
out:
10 h 07 min
